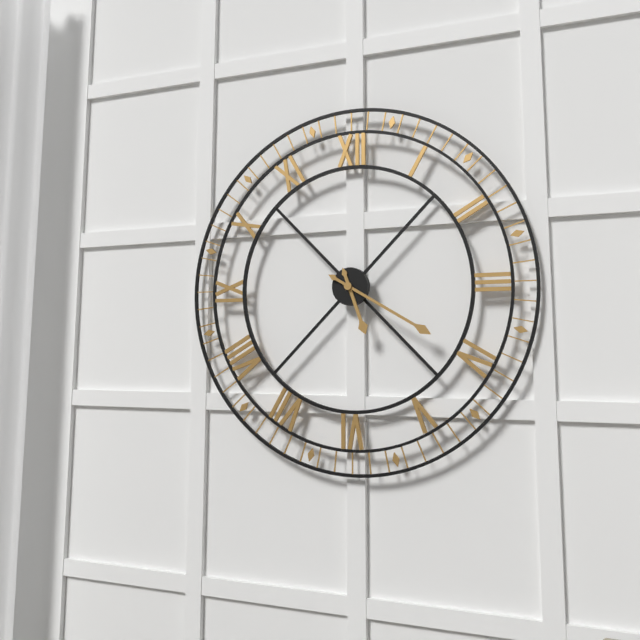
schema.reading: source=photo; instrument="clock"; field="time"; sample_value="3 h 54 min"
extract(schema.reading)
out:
5 h 20 min
